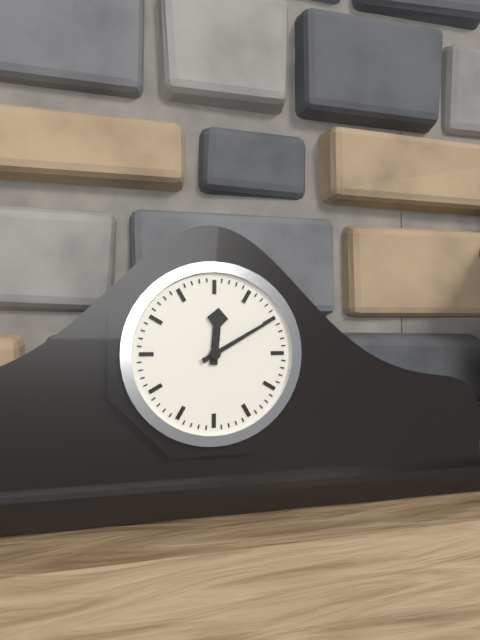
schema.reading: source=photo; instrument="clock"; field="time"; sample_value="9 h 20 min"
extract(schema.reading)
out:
12 h 10 min
